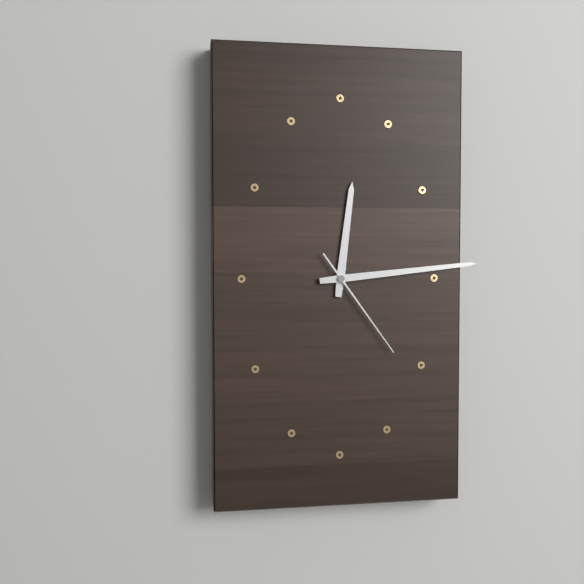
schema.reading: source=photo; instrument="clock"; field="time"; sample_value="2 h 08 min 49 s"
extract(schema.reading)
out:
12 h 14 min 24 s
